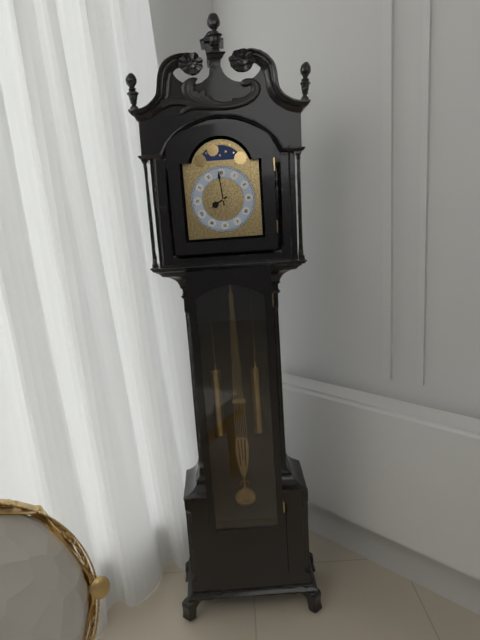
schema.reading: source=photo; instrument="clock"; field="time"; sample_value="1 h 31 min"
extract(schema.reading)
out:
7 h 59 min
